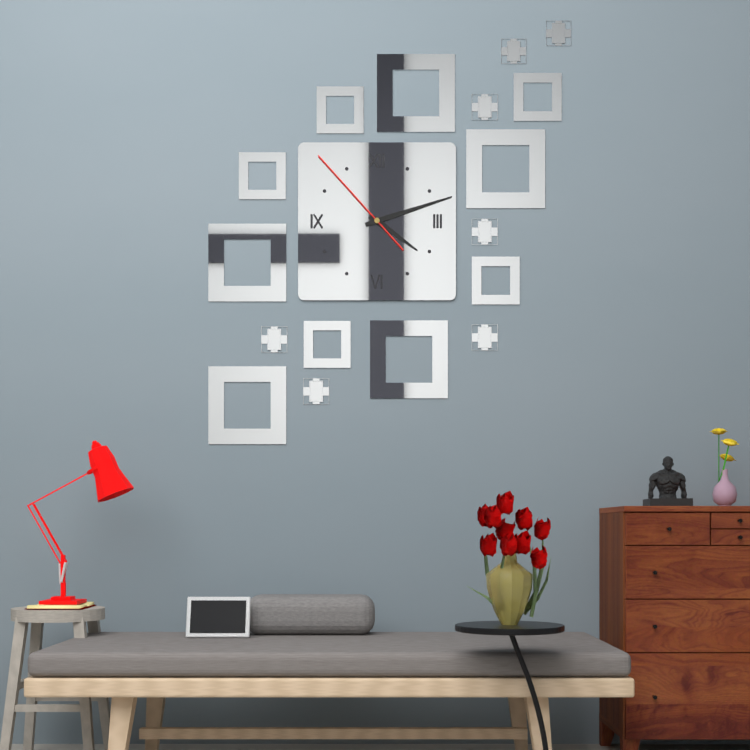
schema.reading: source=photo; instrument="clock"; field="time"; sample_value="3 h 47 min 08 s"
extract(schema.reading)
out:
4 h 12 min 53 s
